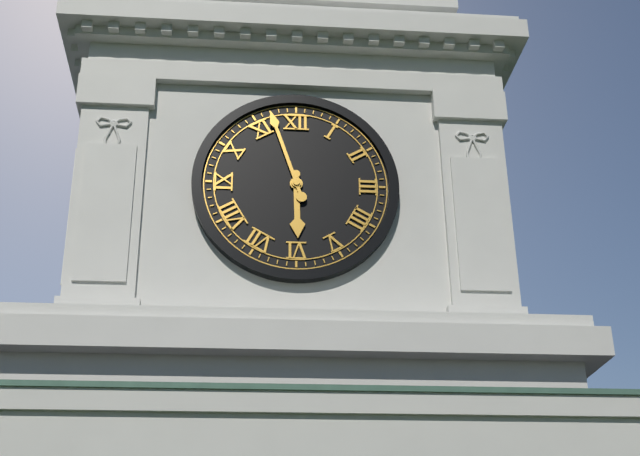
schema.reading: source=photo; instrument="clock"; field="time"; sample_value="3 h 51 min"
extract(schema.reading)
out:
5 h 57 min
